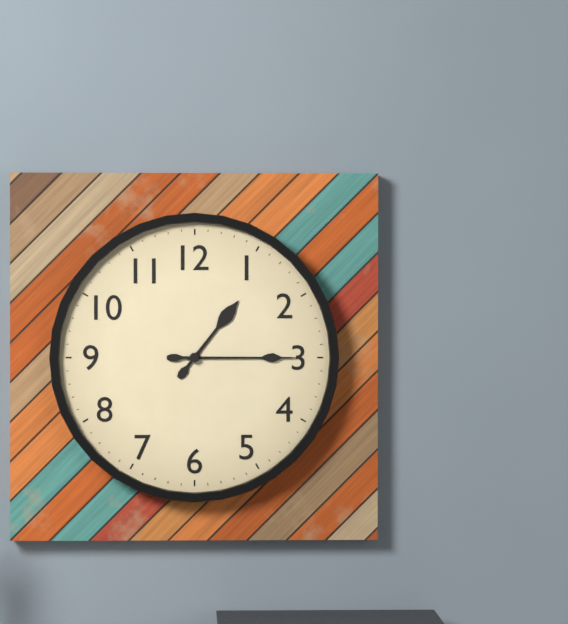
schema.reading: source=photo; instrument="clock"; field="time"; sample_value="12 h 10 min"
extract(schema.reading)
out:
1 h 15 min
